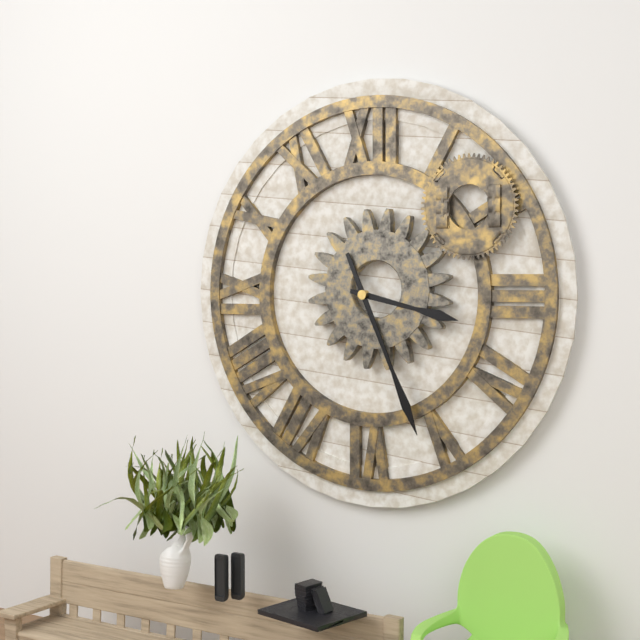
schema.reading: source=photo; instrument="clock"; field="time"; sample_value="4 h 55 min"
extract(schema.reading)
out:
3 h 26 min
